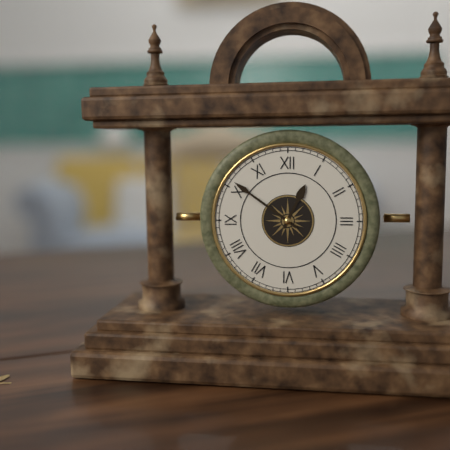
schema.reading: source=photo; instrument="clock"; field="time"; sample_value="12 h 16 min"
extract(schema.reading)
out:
12 h 51 min
